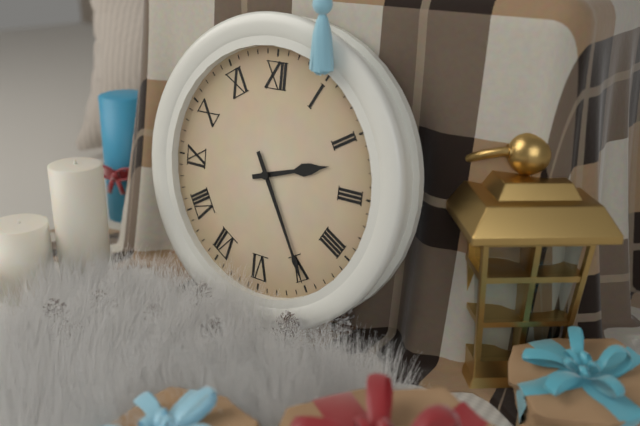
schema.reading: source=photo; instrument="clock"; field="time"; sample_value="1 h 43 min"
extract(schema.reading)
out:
2 h 25 min
